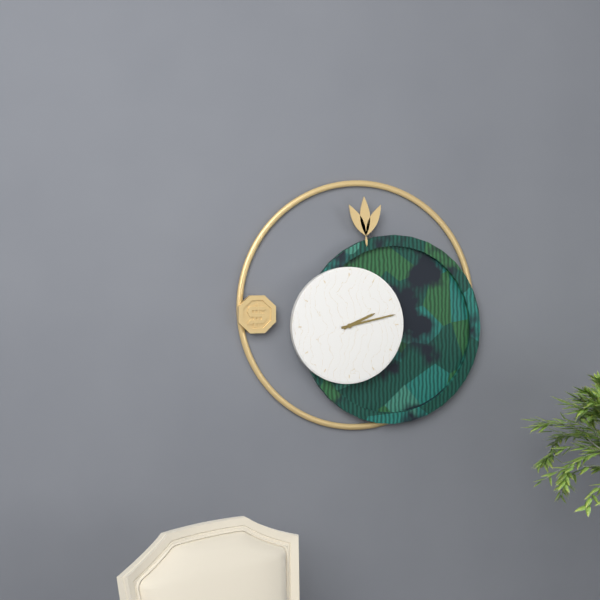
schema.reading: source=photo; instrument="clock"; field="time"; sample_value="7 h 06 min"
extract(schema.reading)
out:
2 h 13 min
